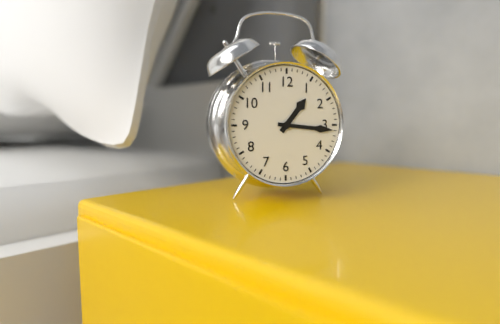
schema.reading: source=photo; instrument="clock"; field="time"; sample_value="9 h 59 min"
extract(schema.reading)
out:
1 h 16 min
